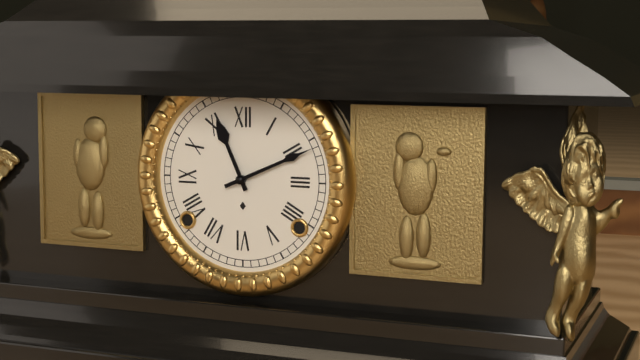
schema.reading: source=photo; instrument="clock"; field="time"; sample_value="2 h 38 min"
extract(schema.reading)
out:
11 h 11 min
